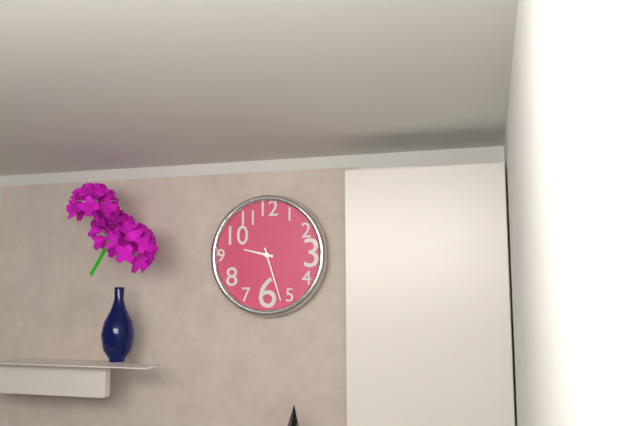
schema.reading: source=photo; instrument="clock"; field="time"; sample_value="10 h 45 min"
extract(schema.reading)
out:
9 h 27 min
